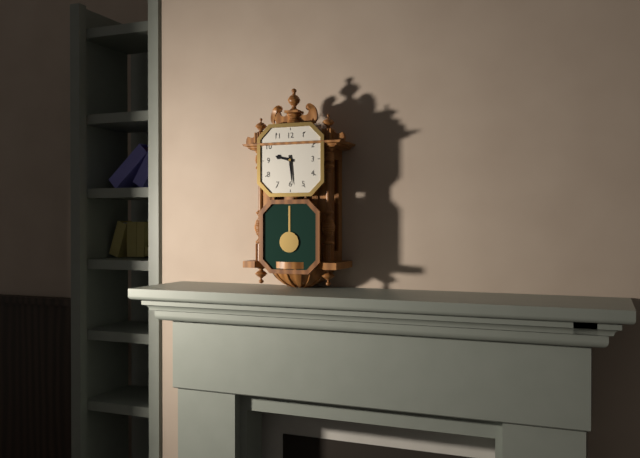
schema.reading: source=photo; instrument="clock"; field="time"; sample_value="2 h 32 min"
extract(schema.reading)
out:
9 h 29 min
